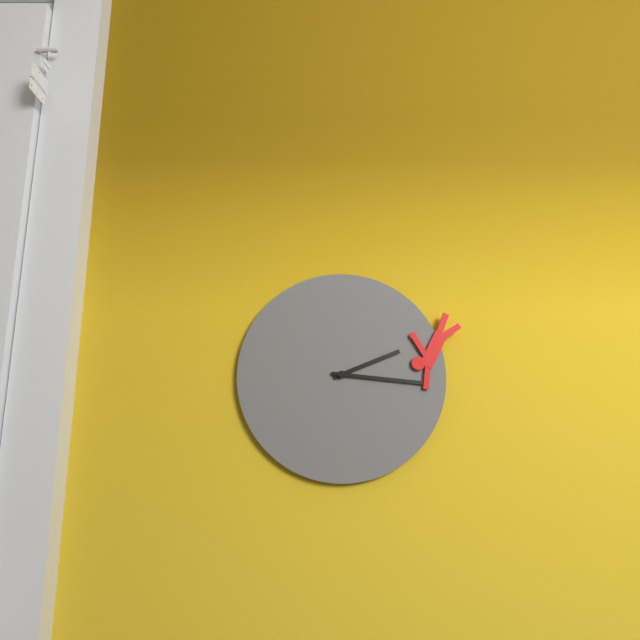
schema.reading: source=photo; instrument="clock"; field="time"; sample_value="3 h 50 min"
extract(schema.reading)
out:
2 h 16 min
